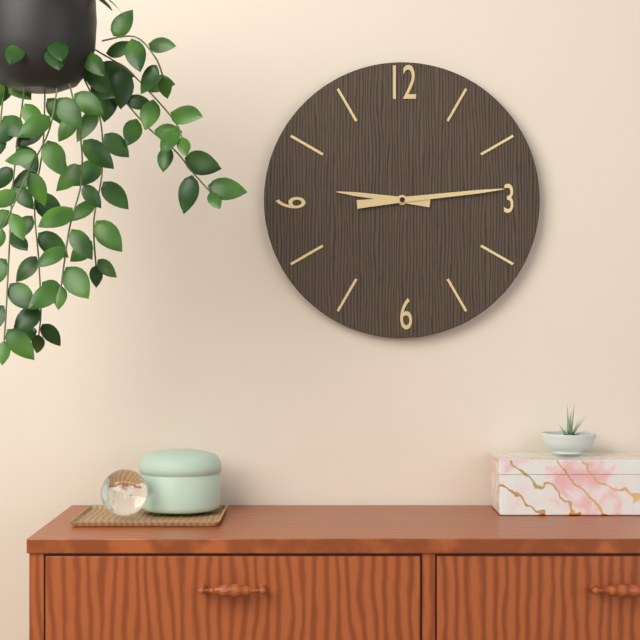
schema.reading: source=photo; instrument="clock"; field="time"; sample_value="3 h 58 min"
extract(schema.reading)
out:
9 h 14 min
